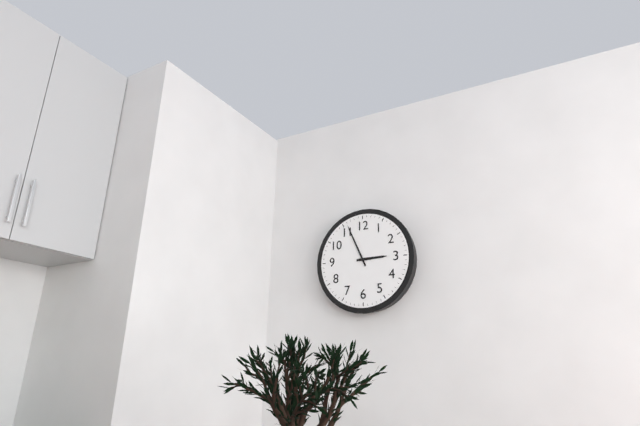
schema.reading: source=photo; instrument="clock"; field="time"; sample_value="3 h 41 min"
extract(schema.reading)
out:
2 h 56 min
